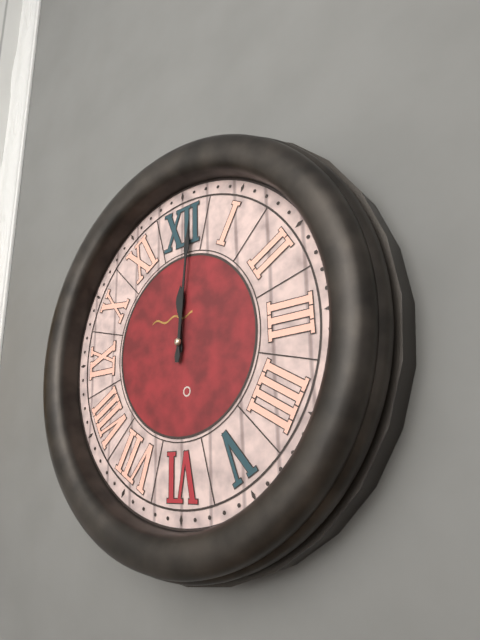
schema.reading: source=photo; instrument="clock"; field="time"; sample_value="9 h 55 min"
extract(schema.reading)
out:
12 h 01 min
